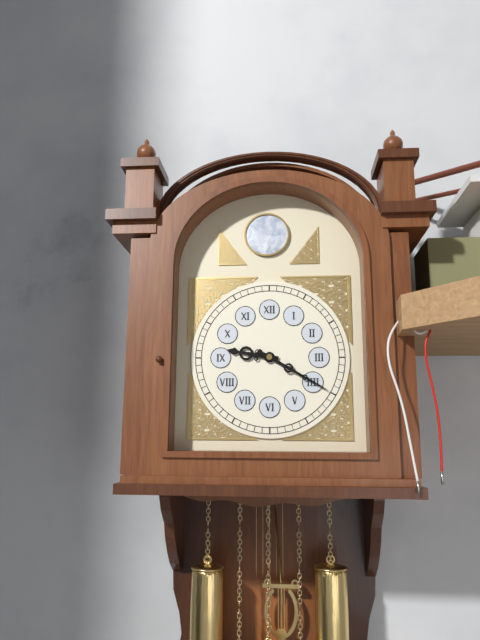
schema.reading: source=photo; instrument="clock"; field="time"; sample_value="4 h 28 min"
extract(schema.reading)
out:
9 h 20 min
